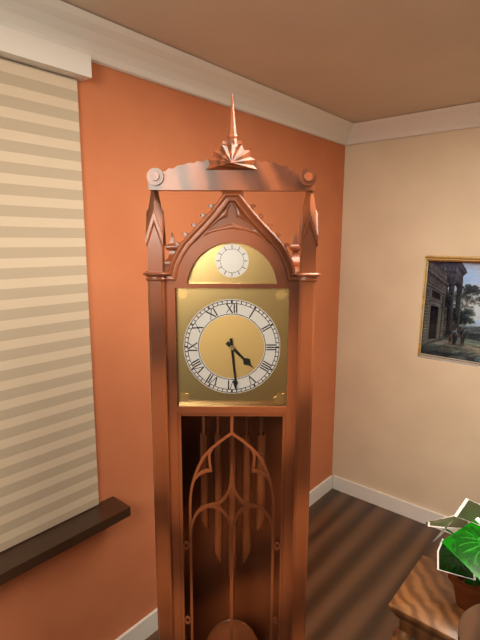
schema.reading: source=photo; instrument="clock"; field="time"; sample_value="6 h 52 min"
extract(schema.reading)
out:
4 h 29 min
